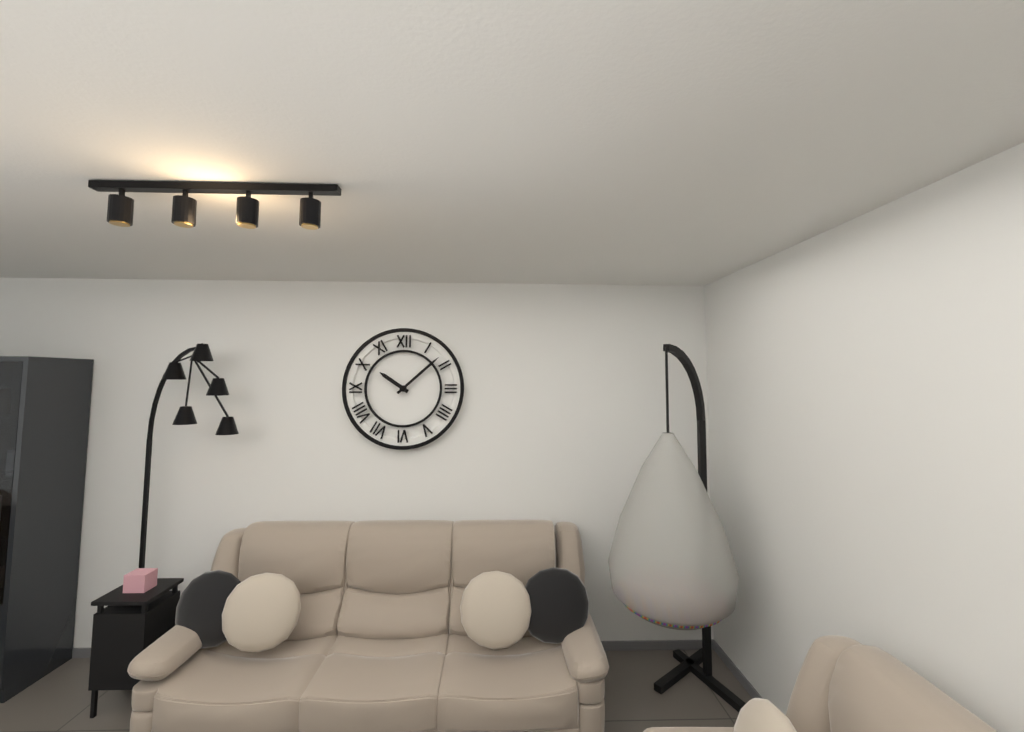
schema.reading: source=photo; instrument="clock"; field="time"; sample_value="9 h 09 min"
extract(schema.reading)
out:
10 h 08 min
